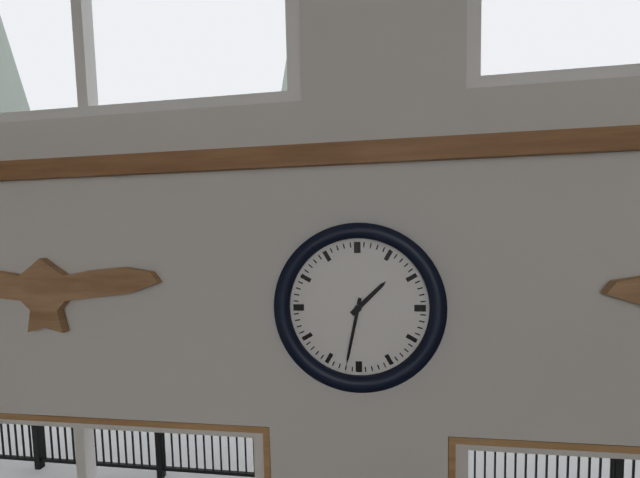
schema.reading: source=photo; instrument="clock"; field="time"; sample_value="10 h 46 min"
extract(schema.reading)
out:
1 h 32 min
